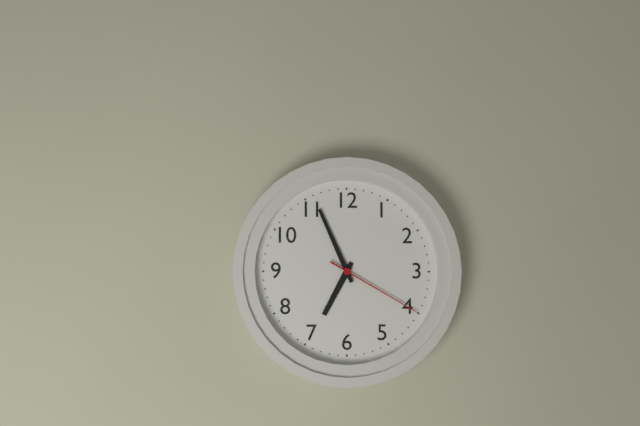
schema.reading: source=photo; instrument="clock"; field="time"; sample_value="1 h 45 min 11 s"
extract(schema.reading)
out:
6 h 56 min 20 s
